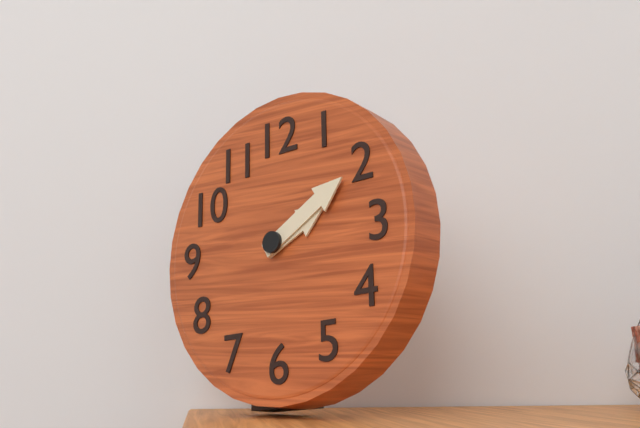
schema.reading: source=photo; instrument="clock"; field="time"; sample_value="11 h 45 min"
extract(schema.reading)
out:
2 h 10 min
